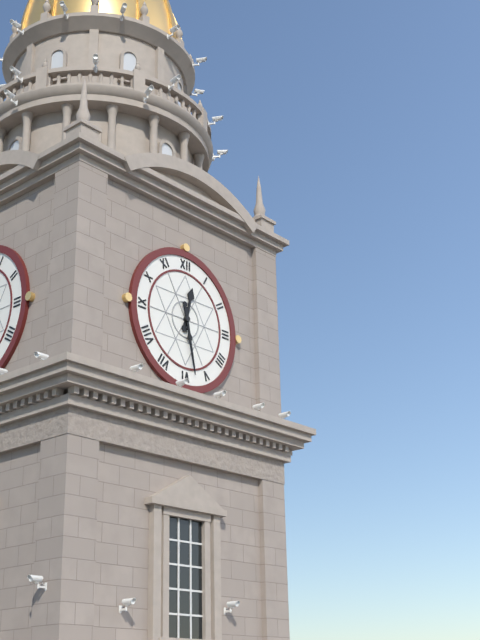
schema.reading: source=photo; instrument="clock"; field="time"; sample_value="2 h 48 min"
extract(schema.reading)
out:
12 h 28 min
